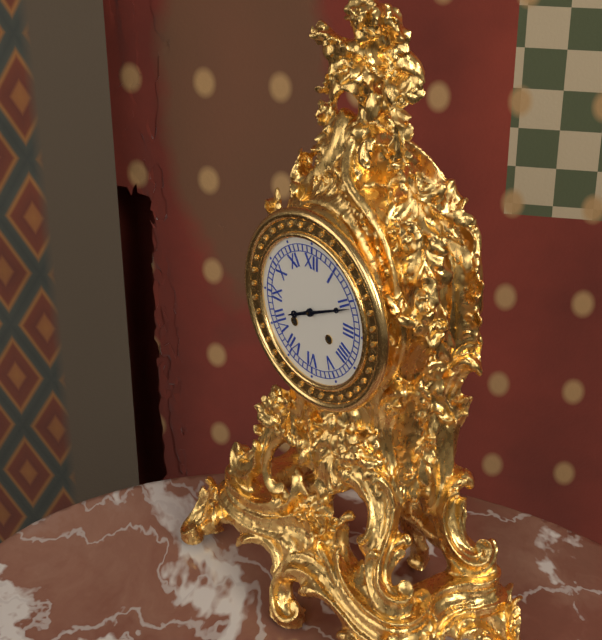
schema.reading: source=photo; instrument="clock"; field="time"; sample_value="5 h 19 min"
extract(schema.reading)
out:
8 h 11 min
